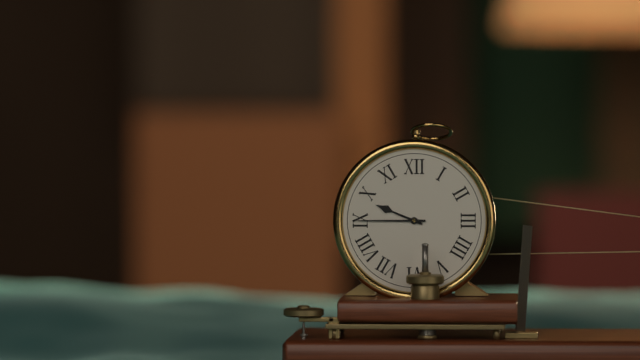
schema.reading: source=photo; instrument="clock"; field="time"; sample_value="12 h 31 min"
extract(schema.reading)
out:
9 h 45 min
